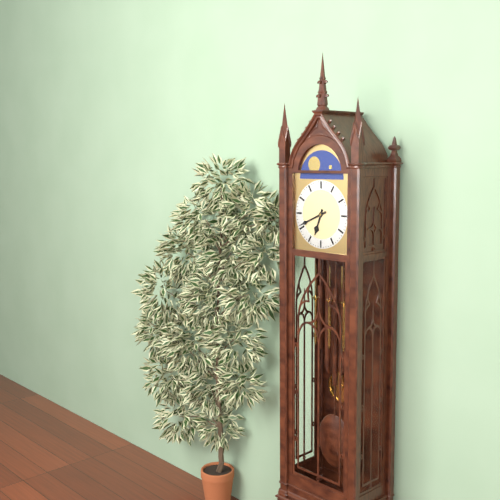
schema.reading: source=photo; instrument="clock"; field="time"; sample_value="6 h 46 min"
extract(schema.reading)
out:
6 h 41 min
